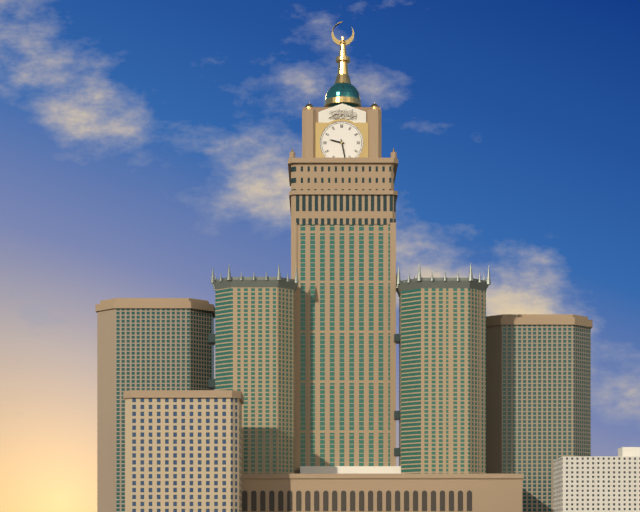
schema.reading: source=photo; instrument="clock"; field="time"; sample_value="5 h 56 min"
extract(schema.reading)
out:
9 h 28 min
